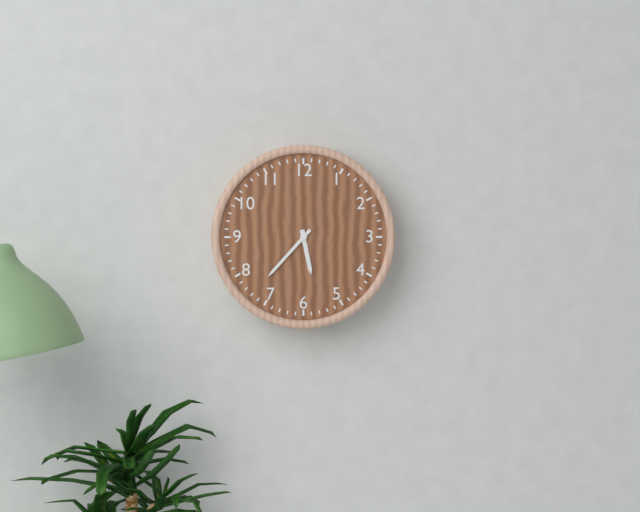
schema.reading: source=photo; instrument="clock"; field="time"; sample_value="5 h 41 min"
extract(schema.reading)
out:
5 h 37 min
